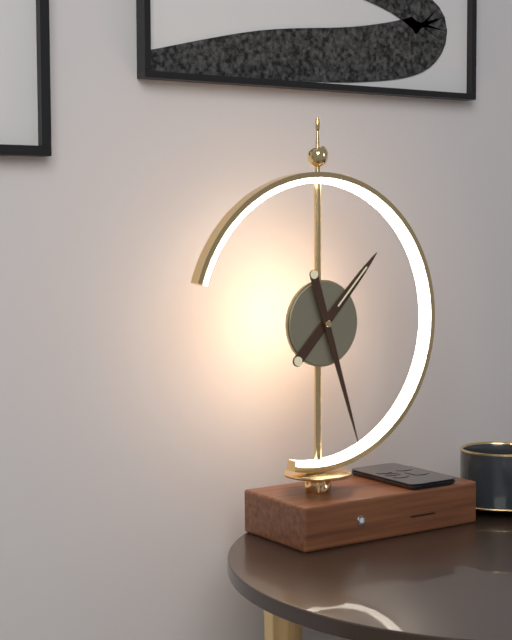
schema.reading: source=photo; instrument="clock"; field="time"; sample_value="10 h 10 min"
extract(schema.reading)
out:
1 h 27 min
